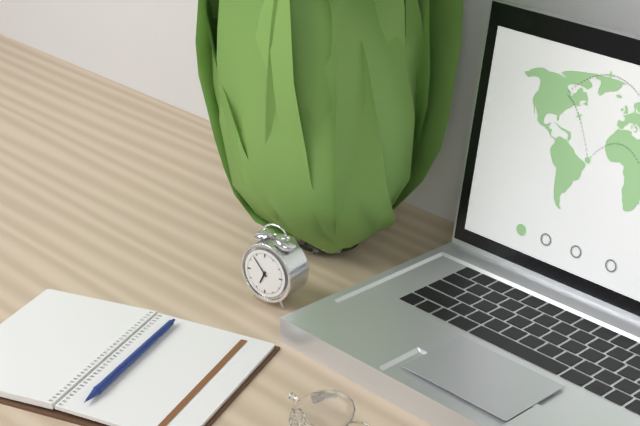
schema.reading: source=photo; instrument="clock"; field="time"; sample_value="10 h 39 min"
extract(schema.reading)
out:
6 h 53 min
